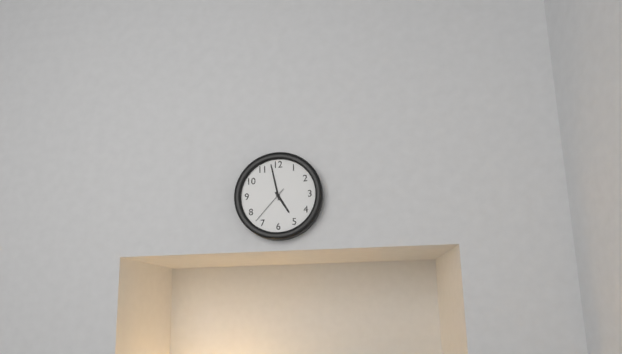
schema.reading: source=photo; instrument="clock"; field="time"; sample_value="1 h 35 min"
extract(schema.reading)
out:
4 h 58 min
